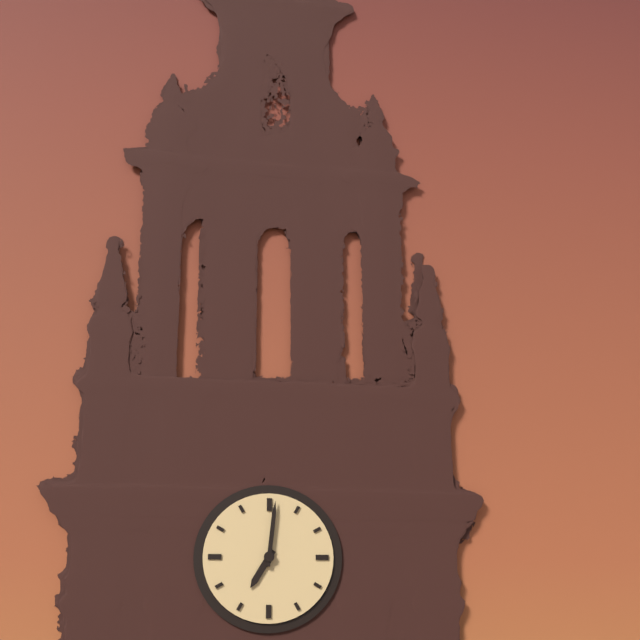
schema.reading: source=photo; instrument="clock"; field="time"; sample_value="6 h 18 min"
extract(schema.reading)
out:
7 h 01 min
